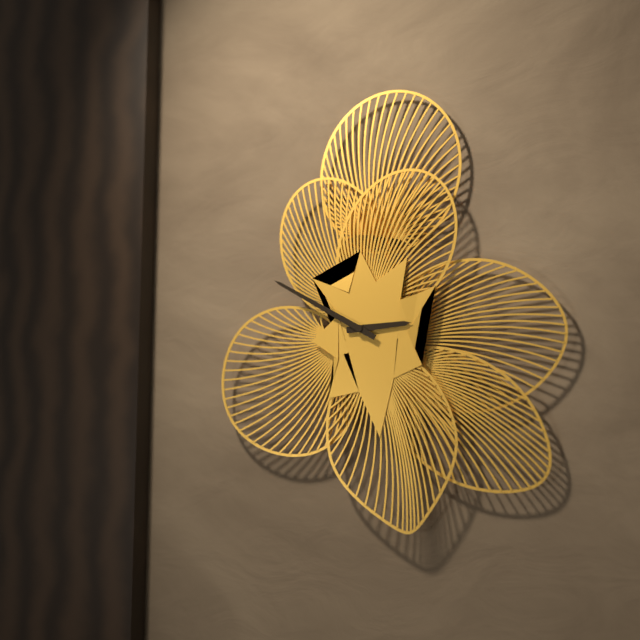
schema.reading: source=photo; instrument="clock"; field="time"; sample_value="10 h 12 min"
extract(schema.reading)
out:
2 h 50 min
